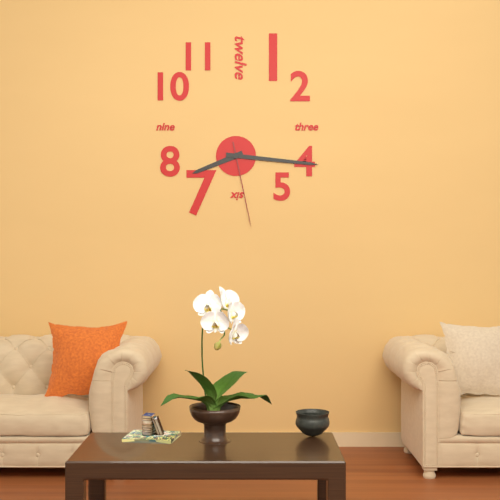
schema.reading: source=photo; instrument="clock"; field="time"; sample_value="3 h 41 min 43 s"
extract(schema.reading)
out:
8 h 16 min 28 s
